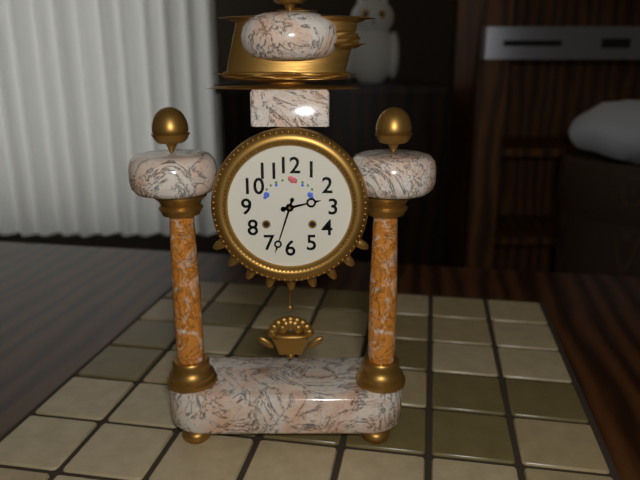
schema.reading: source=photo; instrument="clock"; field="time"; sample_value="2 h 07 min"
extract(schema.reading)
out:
2 h 33 min
